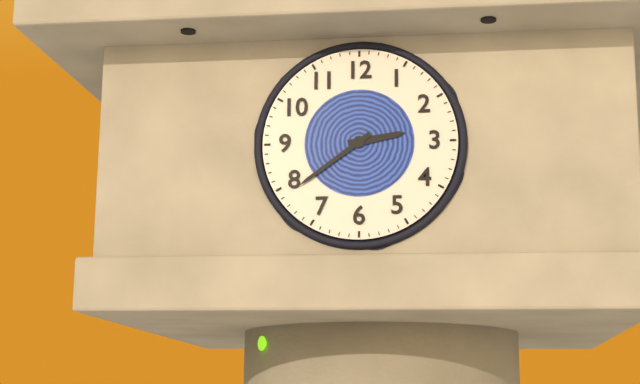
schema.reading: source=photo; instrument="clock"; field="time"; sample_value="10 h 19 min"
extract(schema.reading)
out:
2 h 39 min
